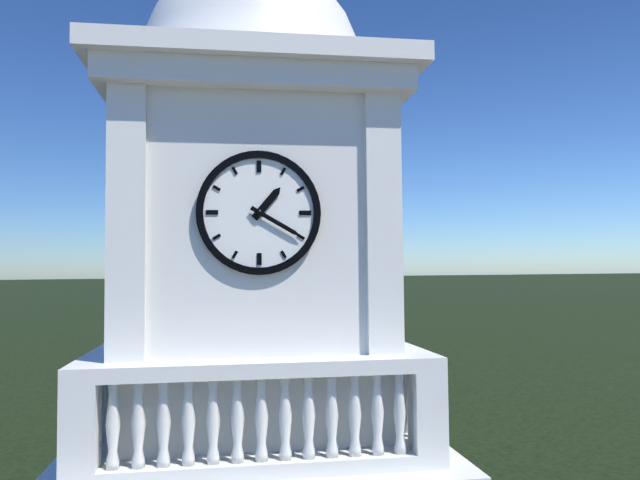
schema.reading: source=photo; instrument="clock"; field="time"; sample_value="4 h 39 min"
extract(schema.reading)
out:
1 h 20 min
